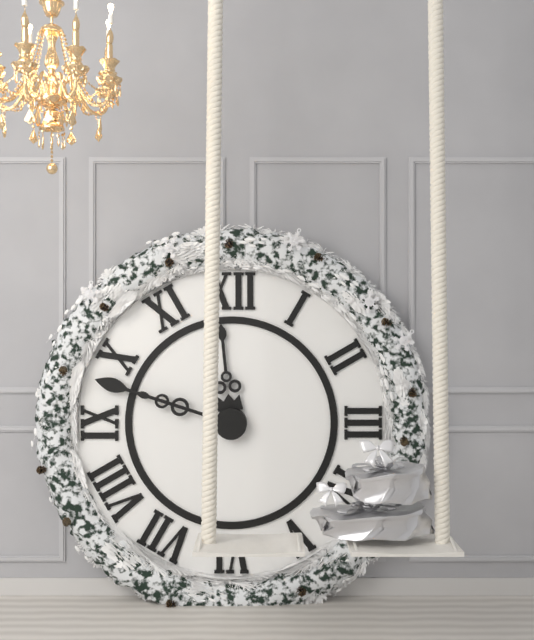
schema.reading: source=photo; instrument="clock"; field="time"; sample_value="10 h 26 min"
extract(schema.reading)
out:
11 h 48 min
